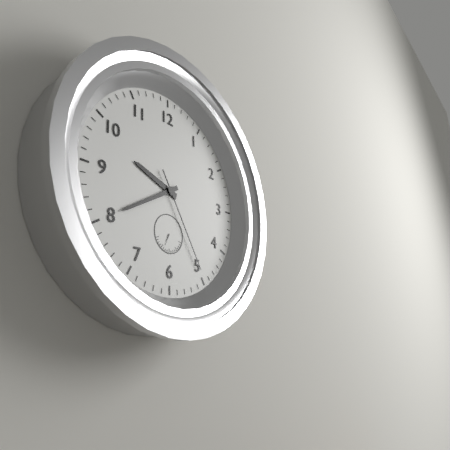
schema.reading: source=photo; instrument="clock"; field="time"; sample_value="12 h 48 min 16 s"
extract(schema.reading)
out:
9 h 40 min 25 s
